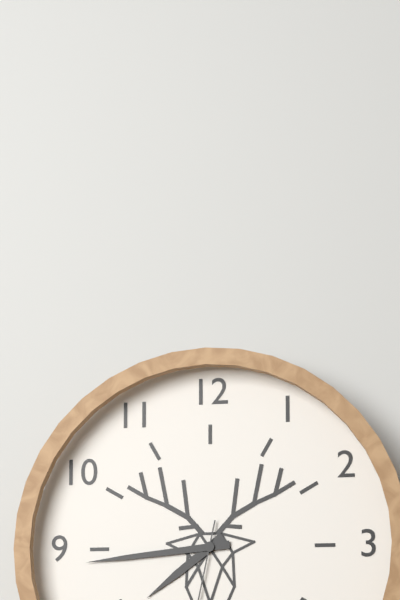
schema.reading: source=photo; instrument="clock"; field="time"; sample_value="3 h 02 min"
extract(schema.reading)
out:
7 h 44 min
